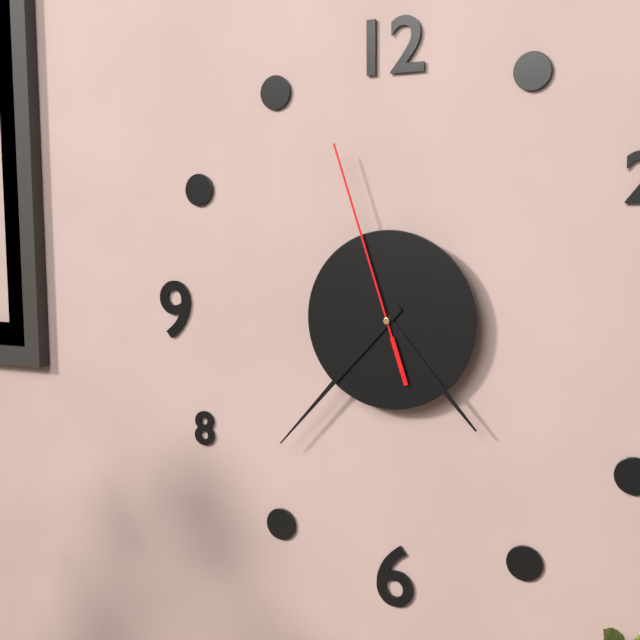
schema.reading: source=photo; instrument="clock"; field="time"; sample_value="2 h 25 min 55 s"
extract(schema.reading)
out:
4 h 37 min 57 s
